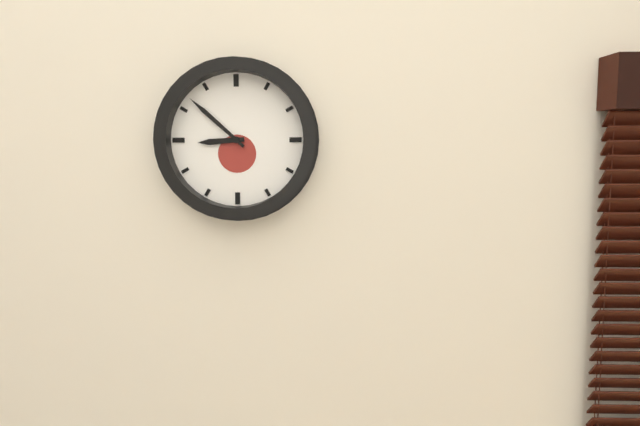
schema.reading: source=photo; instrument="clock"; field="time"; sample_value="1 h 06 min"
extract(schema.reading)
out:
8 h 52 min
